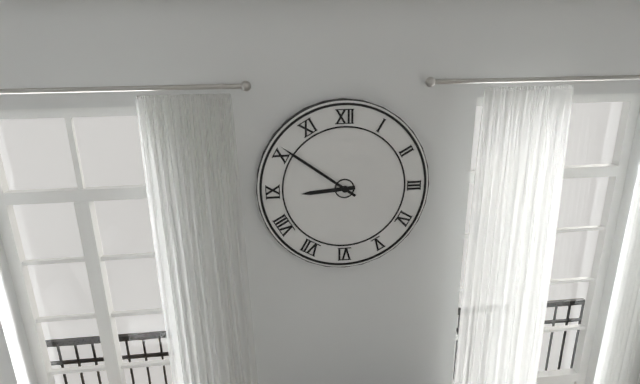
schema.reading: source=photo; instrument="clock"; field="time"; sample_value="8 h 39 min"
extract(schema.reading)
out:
8 h 51 min
